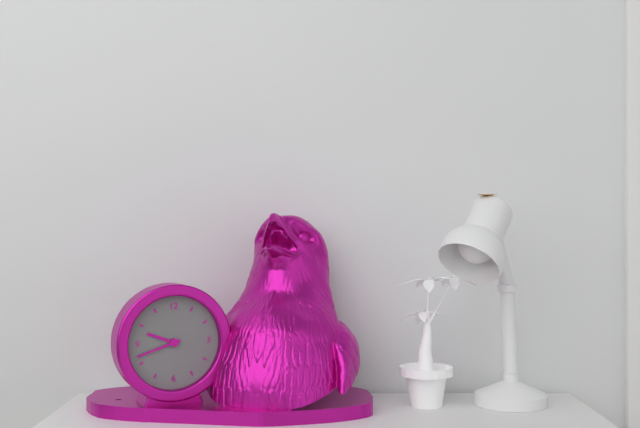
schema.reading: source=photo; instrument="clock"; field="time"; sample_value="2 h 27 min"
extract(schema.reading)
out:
9 h 42 min
